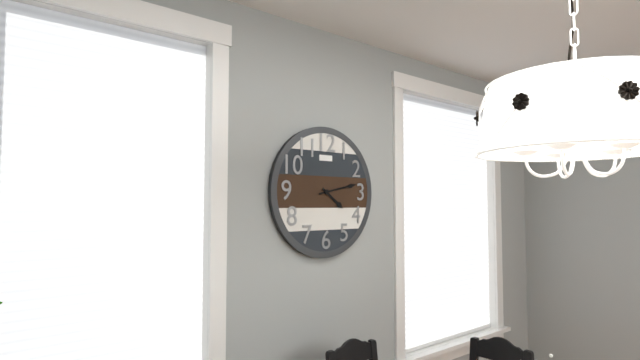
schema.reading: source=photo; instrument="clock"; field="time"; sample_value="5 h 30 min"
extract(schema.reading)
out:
4 h 13 min
